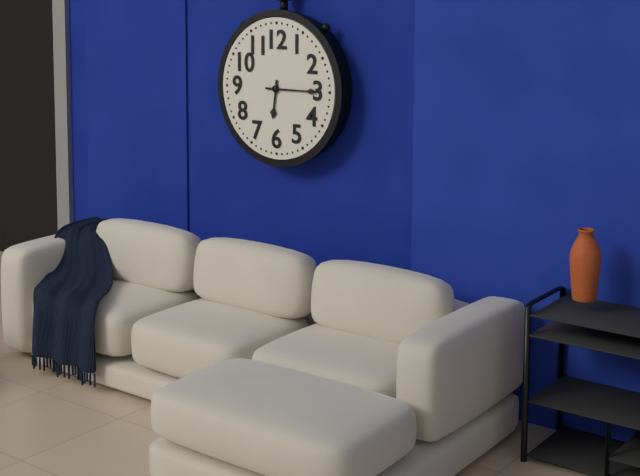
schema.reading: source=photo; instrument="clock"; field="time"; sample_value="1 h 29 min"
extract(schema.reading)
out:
6 h 15 min
